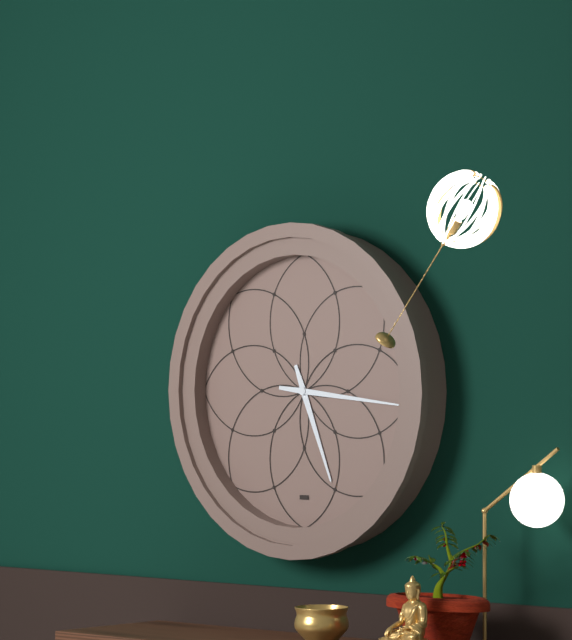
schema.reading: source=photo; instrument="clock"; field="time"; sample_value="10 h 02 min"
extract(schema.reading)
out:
5 h 16 min
